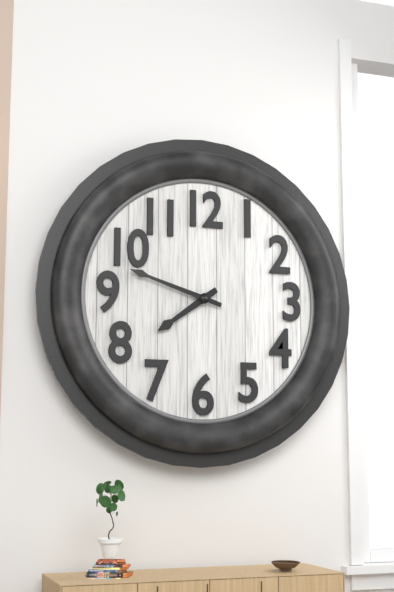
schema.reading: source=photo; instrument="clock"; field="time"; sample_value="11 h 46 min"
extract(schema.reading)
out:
7 h 48 min
